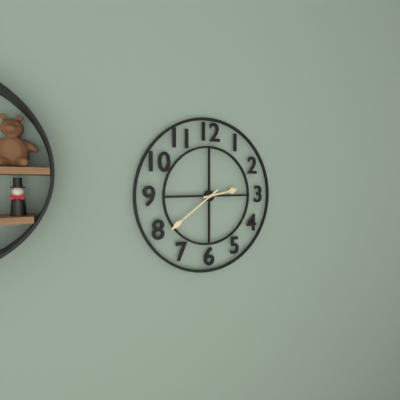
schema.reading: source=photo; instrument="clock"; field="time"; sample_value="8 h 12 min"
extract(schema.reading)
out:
2 h 39 min
